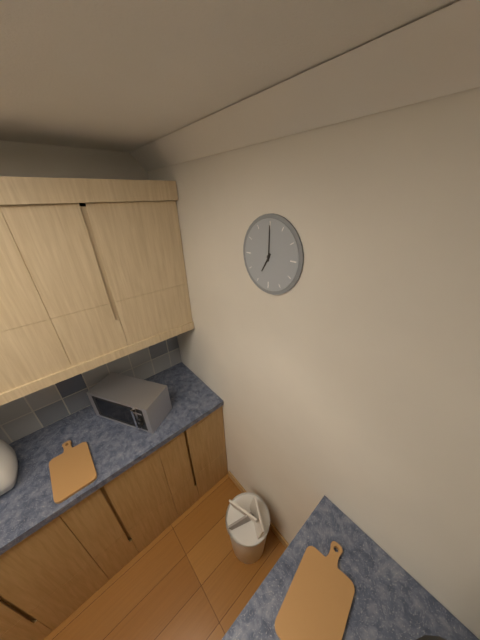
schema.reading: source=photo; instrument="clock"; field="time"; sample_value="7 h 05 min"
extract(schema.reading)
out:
7 h 00 min
